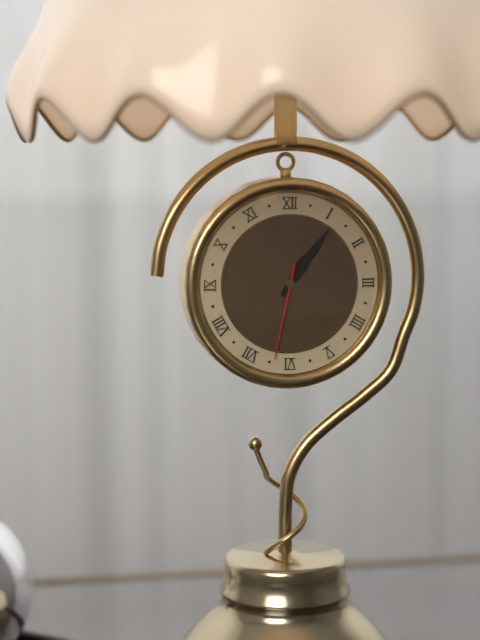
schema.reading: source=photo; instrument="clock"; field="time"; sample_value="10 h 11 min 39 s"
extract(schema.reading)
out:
1 h 06 min 32 s
